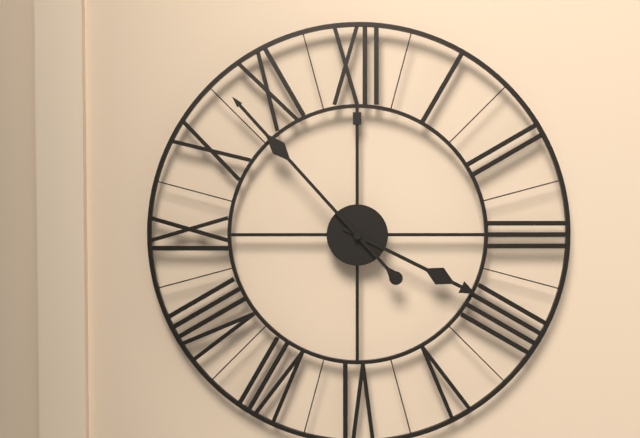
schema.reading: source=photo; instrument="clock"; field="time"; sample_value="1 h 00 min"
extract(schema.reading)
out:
3 h 53 min
